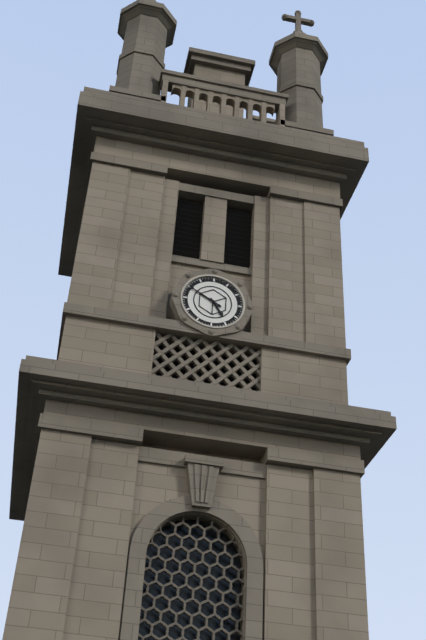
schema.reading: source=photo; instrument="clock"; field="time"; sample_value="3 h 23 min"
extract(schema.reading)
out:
4 h 50 min
